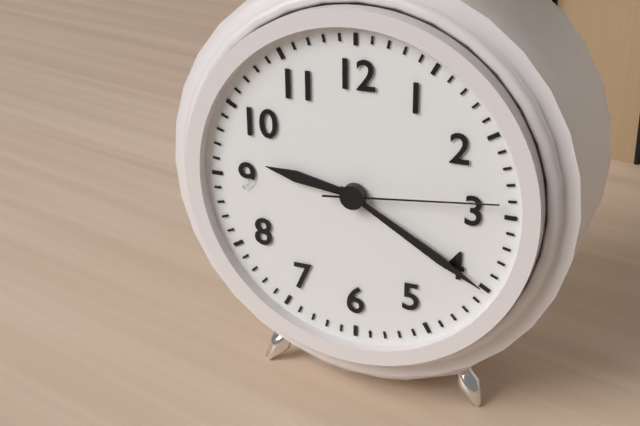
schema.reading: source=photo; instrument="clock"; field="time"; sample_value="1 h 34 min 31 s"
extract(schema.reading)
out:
9 h 20 min 14 s
